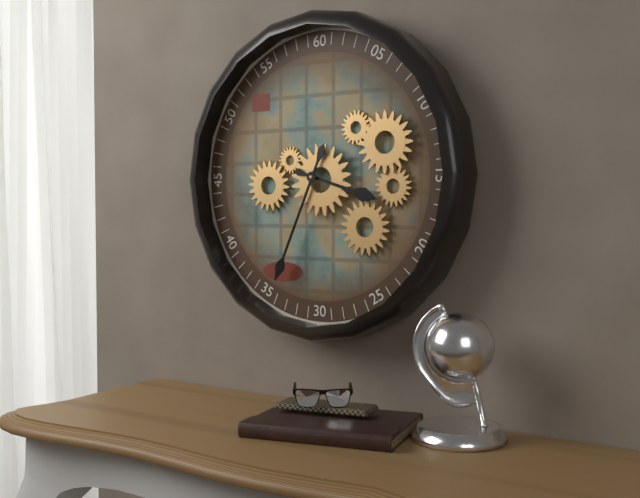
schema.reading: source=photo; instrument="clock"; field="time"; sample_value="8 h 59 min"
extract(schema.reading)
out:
3 h 34 min
